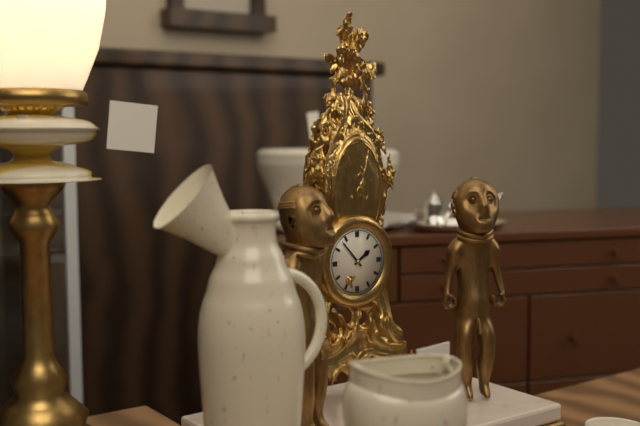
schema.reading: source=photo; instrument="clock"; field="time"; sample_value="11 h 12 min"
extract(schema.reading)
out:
1 h 53 min
